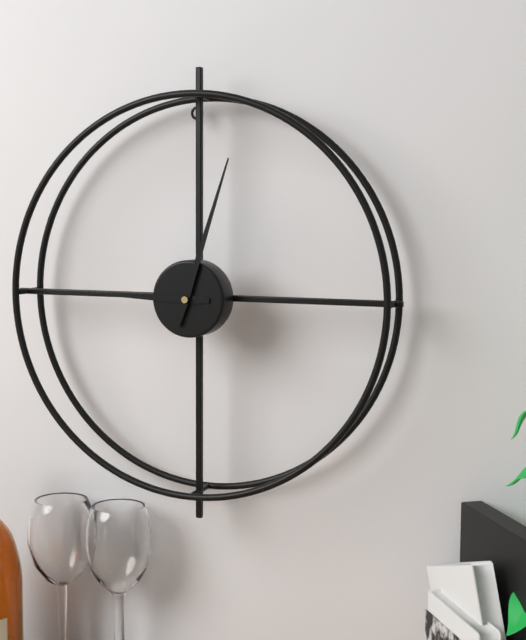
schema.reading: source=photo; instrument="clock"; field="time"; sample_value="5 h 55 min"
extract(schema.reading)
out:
9 h 03 min
